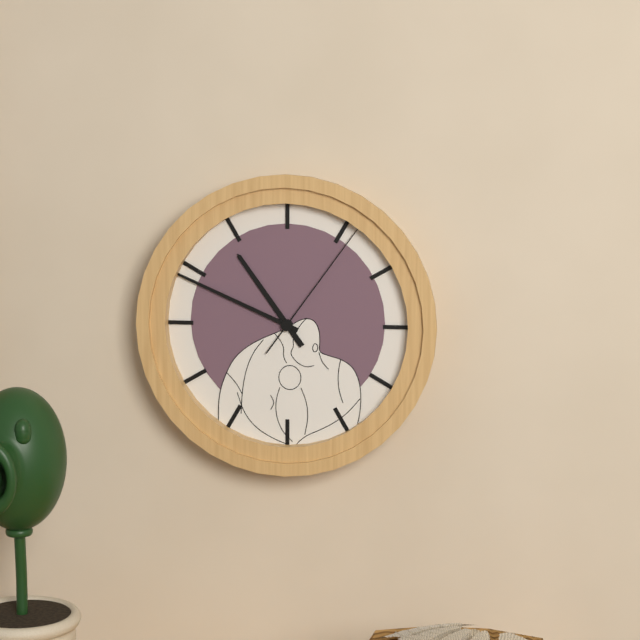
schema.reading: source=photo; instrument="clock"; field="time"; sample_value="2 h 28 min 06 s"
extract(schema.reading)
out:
10 h 49 min 06 s
